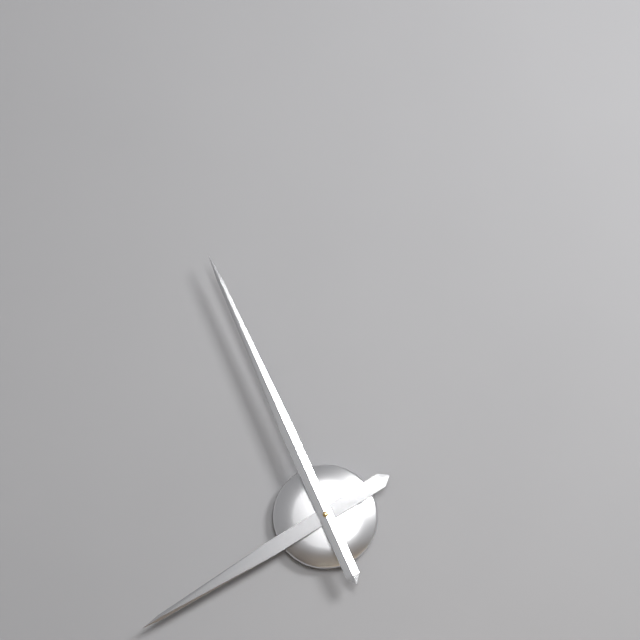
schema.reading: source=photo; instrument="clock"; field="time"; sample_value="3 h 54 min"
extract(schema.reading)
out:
7 h 56 min
